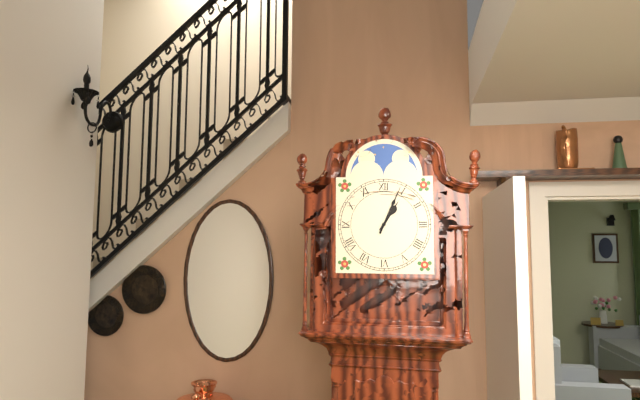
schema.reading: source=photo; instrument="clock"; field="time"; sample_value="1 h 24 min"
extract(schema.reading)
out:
1 h 04 min
